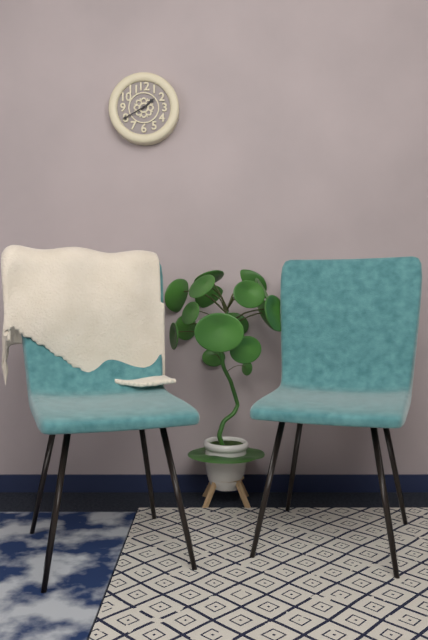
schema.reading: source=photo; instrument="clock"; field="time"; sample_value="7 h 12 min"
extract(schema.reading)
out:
1 h 40 min
